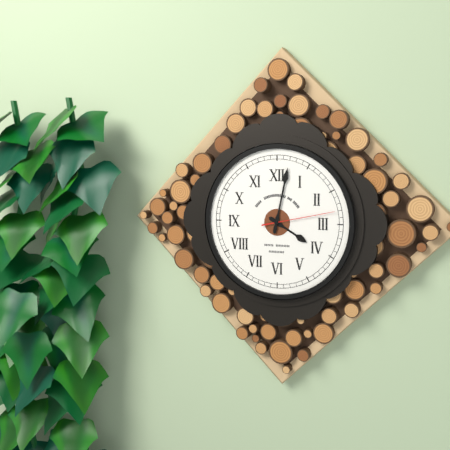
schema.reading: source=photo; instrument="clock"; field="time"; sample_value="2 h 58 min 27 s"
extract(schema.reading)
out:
4 h 02 min 13 s
